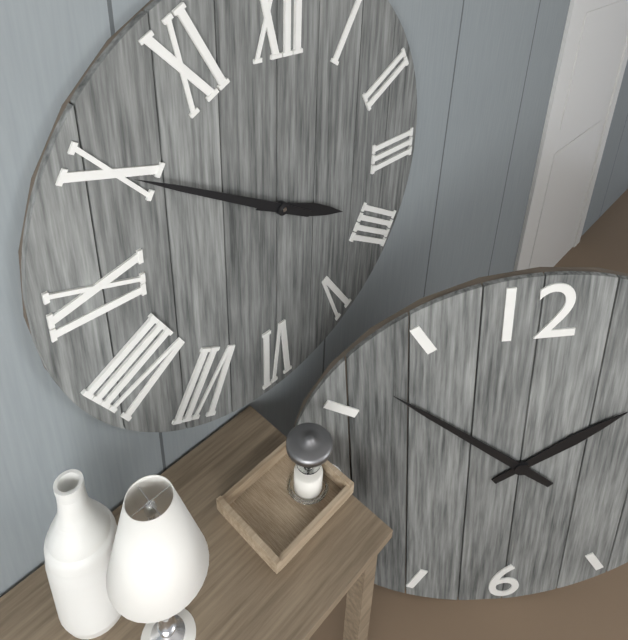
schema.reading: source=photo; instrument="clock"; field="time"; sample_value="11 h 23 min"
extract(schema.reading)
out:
3 h 50 min
